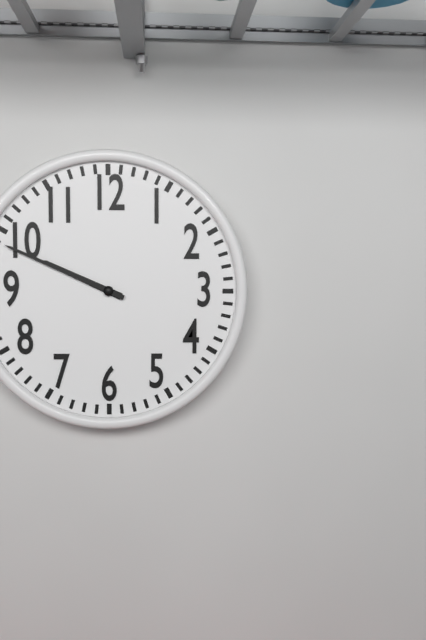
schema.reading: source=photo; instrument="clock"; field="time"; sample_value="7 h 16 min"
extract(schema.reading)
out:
9 h 49 min
